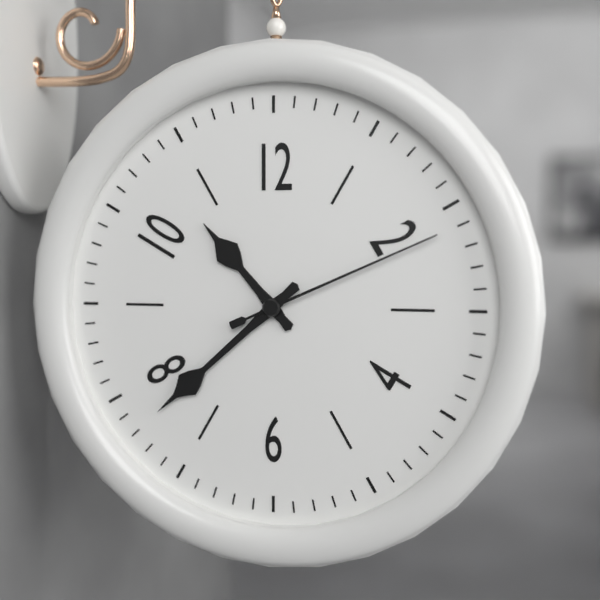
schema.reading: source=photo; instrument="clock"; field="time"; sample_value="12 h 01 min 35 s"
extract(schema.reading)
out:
10 h 38 min 11 s
